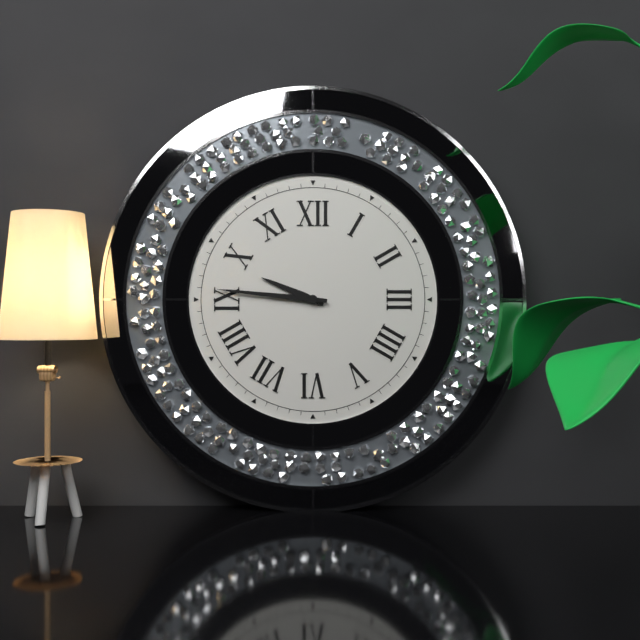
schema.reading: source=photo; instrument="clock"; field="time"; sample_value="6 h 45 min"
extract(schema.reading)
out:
9 h 46 min
